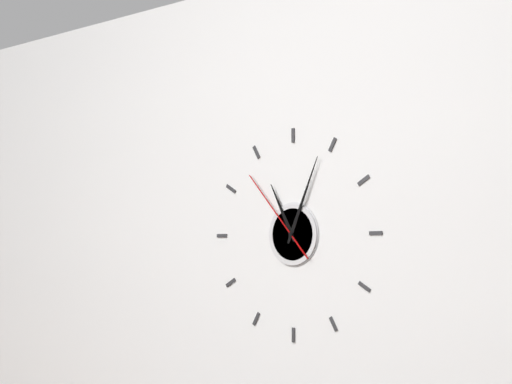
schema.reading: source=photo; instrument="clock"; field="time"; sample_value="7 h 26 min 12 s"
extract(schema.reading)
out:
11 h 04 min 53 s
